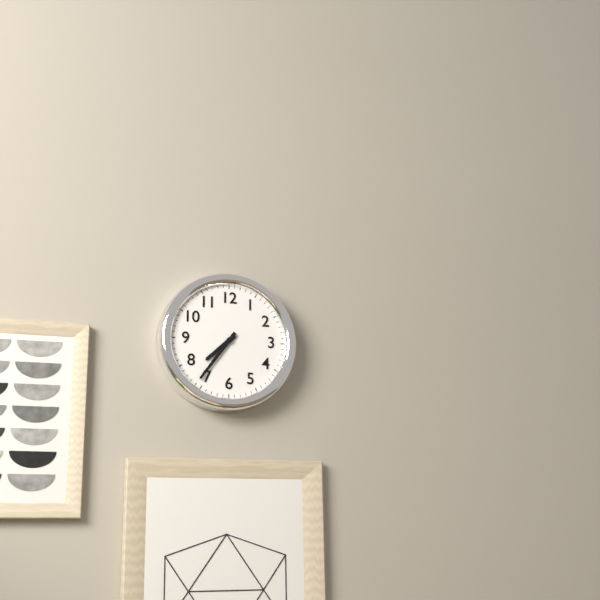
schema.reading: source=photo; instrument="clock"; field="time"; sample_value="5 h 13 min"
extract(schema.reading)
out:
7 h 36 min
